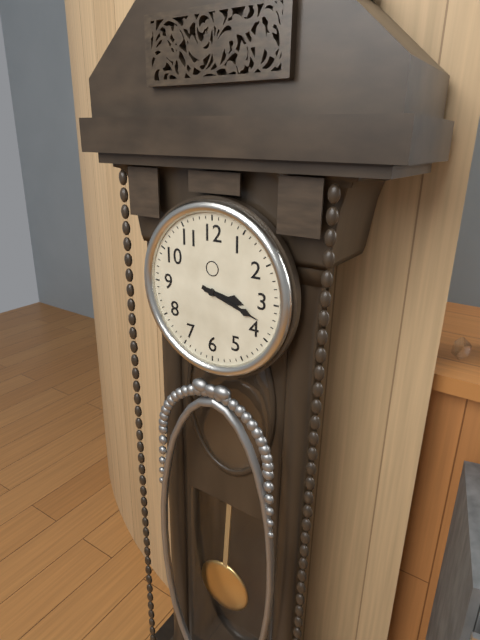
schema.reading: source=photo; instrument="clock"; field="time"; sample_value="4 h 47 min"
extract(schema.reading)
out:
3 h 18 min
